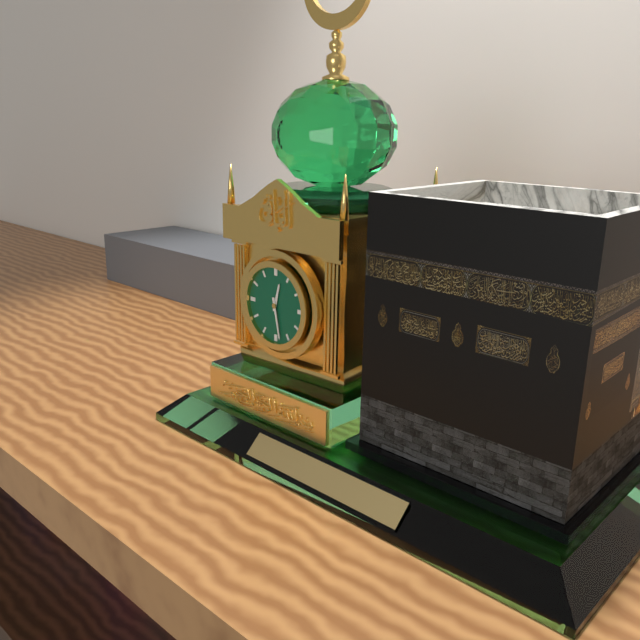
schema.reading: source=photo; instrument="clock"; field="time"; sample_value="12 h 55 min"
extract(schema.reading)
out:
12 h 28 min
